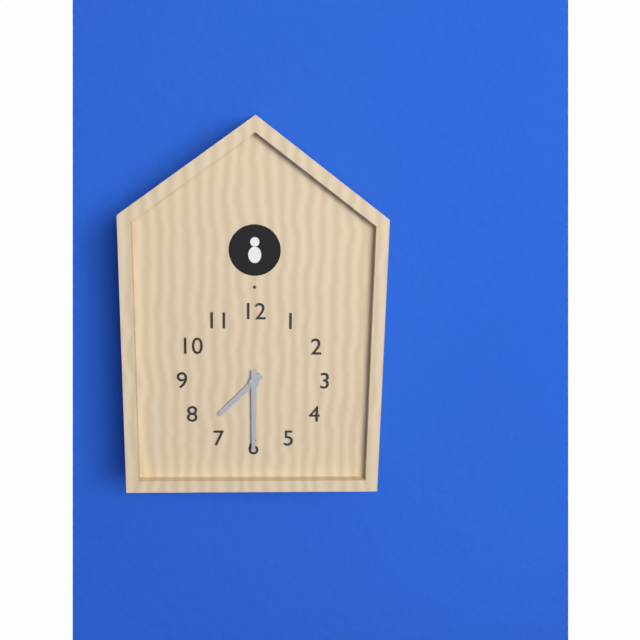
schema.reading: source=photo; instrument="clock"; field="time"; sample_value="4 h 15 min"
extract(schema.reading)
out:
7 h 30 min
